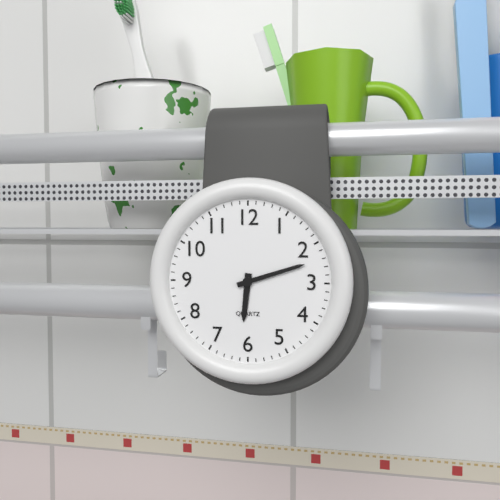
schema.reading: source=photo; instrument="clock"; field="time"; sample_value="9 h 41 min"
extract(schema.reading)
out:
6 h 12 min
